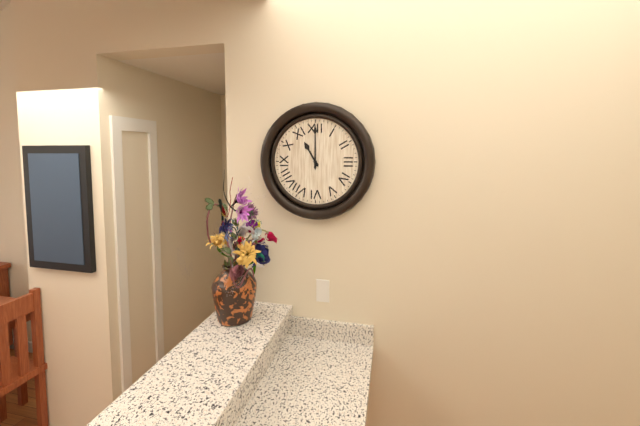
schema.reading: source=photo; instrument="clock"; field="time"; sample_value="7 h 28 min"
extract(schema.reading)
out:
11 h 00 min
